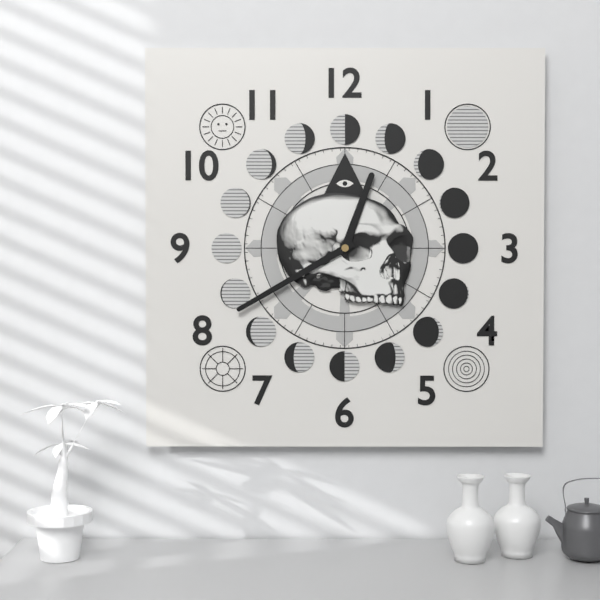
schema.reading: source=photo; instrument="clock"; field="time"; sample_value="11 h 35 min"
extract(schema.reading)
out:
12 h 40 min
